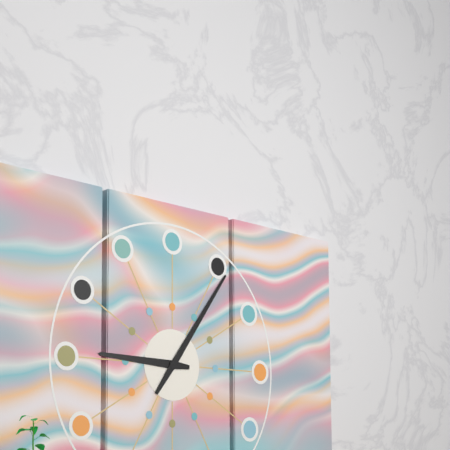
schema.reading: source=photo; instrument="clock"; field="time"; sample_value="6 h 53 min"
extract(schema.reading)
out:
9 h 06 min
